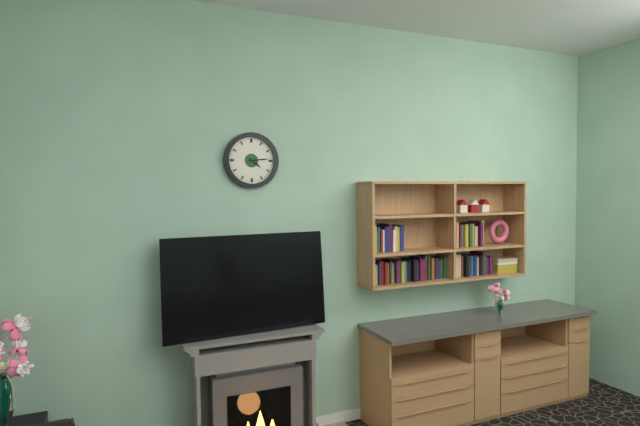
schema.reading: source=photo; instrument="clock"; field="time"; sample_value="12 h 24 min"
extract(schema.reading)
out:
4 h 14 min
